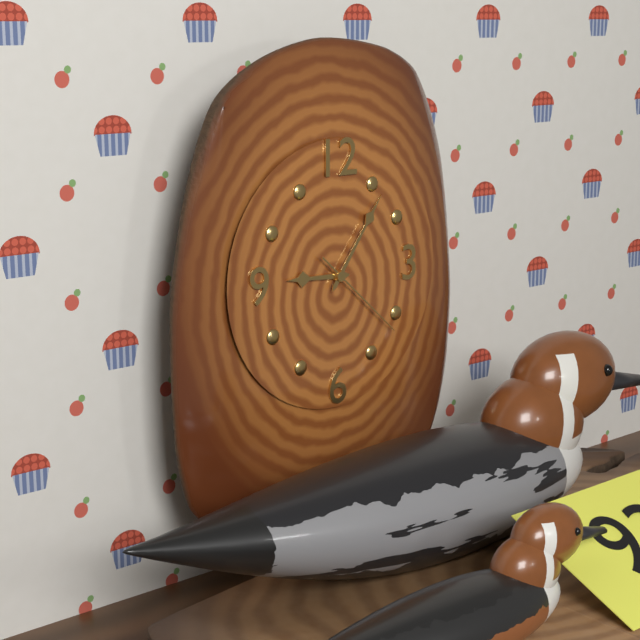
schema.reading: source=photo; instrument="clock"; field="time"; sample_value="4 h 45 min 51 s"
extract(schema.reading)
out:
9 h 06 min 22 s
